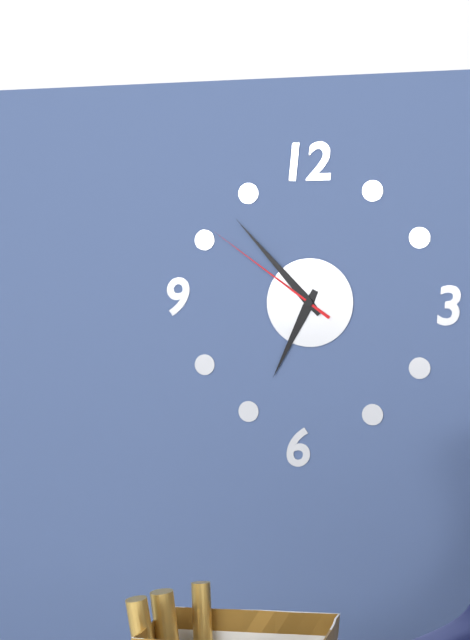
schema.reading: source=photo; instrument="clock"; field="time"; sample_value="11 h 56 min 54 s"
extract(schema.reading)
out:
6 h 53 min 51 s
